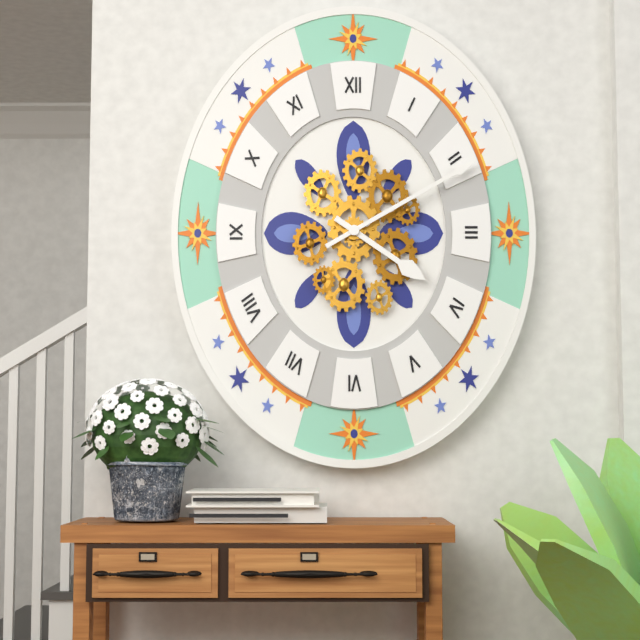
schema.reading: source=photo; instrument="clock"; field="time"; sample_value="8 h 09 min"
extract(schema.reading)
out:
4 h 10 min
